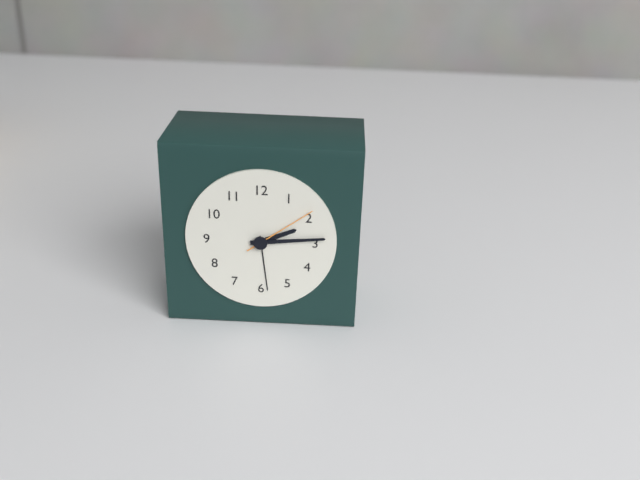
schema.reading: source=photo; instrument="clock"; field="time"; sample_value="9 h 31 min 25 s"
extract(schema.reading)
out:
2 h 14 min 09 s
